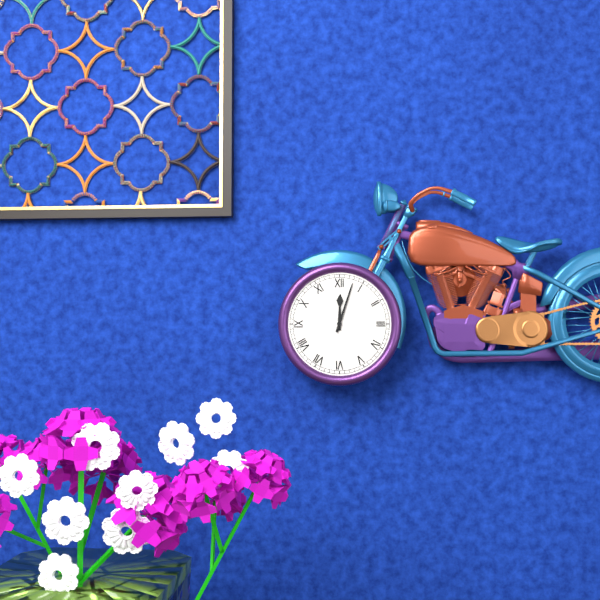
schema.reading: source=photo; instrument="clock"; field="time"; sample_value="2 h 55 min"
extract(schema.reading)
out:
12 h 03 min
